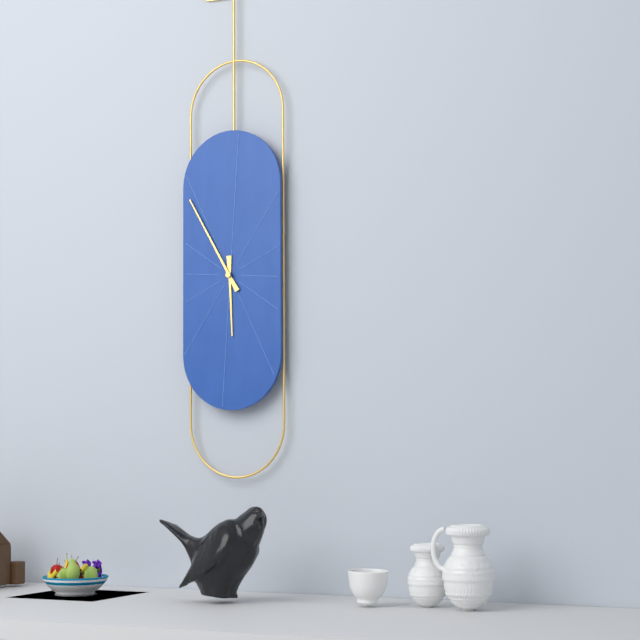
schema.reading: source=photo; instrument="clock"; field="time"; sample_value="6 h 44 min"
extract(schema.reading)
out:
5 h 55 min
